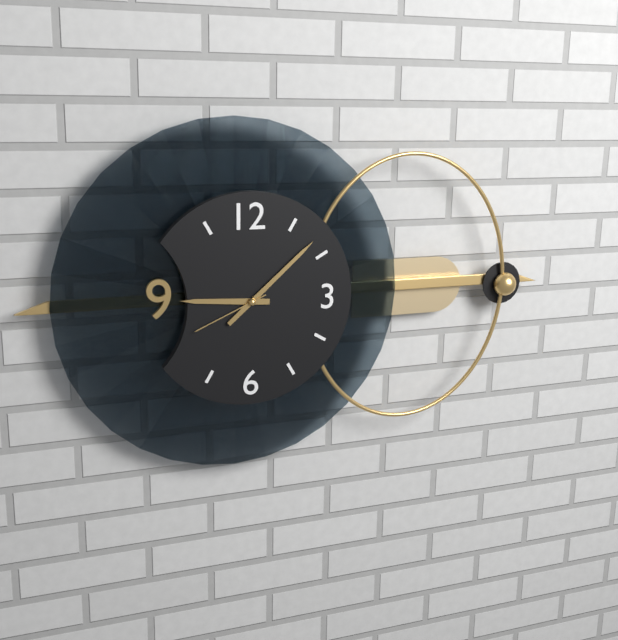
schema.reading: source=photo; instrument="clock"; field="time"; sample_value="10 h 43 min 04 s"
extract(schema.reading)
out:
9 h 08 min 41 s
